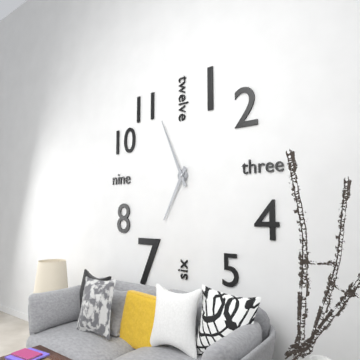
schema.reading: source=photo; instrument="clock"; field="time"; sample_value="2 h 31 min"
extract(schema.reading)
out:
6 h 56 min
